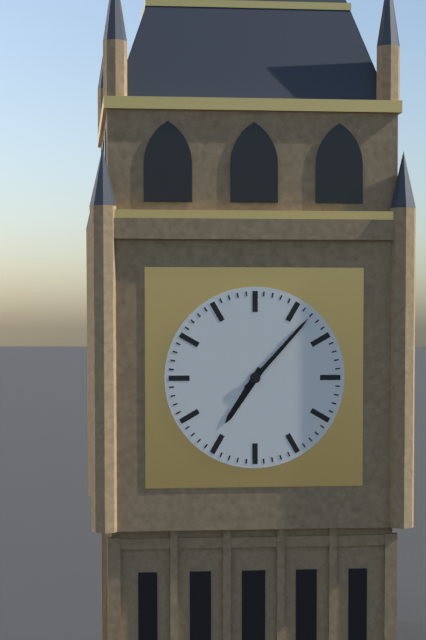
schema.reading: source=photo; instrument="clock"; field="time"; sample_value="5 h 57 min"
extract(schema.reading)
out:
7 h 07 min
